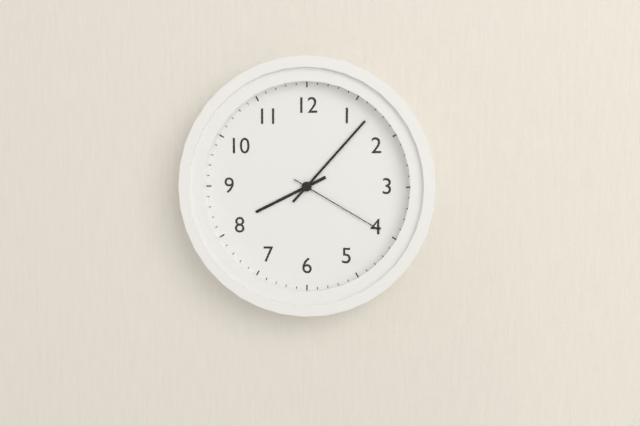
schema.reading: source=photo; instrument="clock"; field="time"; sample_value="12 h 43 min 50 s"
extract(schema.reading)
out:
8 h 07 min 20 s
